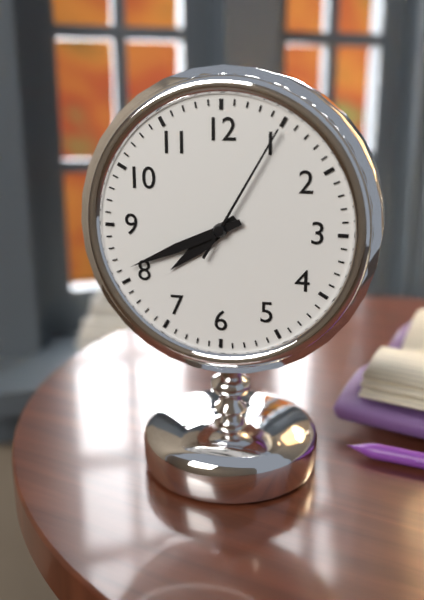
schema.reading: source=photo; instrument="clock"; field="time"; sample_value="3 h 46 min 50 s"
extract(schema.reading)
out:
7 h 41 min 05 s
